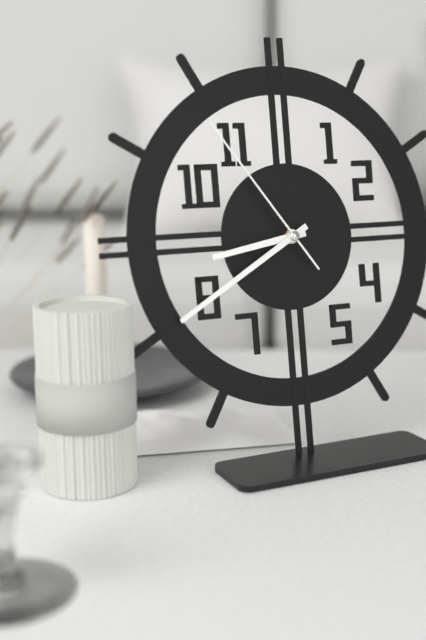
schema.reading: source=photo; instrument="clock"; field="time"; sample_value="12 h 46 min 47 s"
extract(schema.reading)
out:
8 h 40 min 54 s
